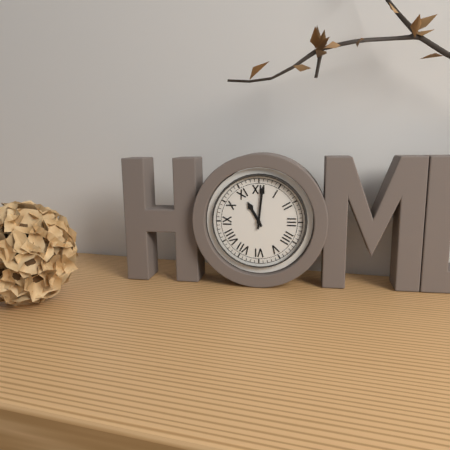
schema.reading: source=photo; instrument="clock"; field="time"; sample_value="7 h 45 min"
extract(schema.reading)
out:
11 h 01 min
